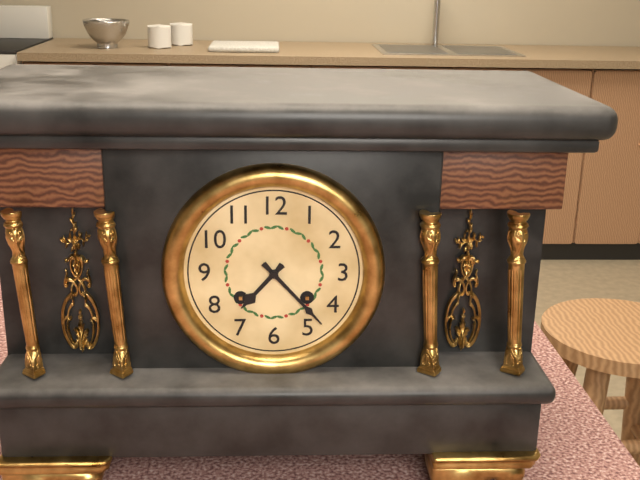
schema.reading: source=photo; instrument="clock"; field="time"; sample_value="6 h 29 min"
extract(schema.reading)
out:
7 h 23 min
